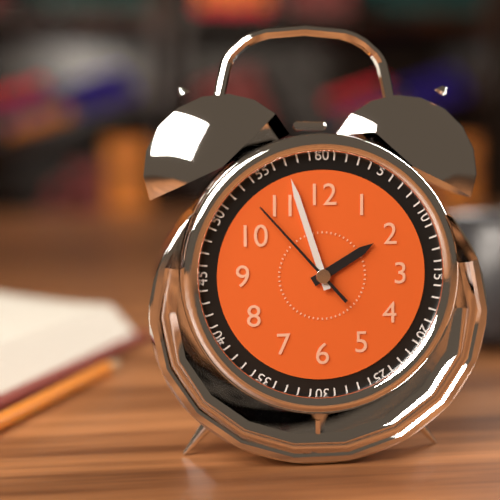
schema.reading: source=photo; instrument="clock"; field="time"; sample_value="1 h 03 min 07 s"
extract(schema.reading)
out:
1 h 57 min 53 s
